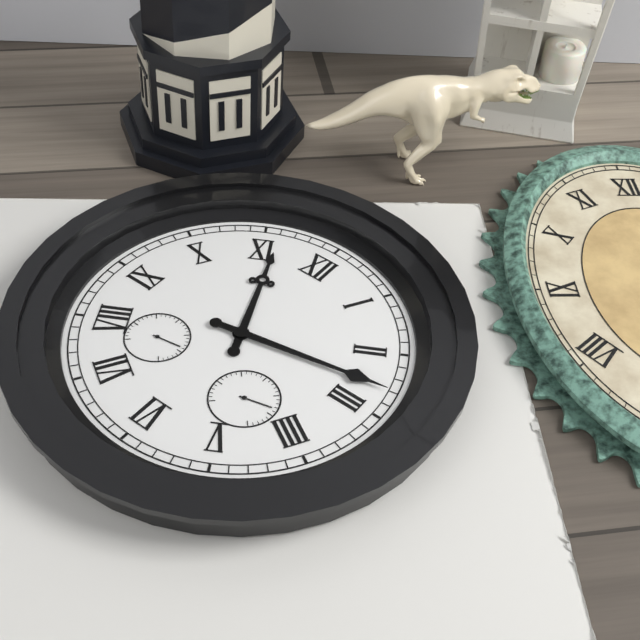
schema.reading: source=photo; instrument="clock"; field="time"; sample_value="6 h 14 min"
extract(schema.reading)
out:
11 h 13 min
